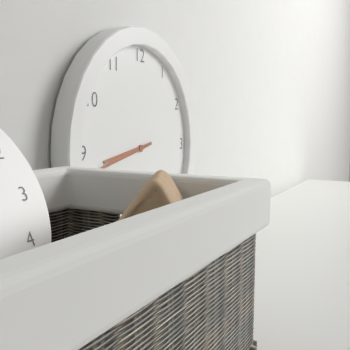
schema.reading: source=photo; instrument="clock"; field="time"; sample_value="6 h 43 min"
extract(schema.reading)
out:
8 h 43 min
